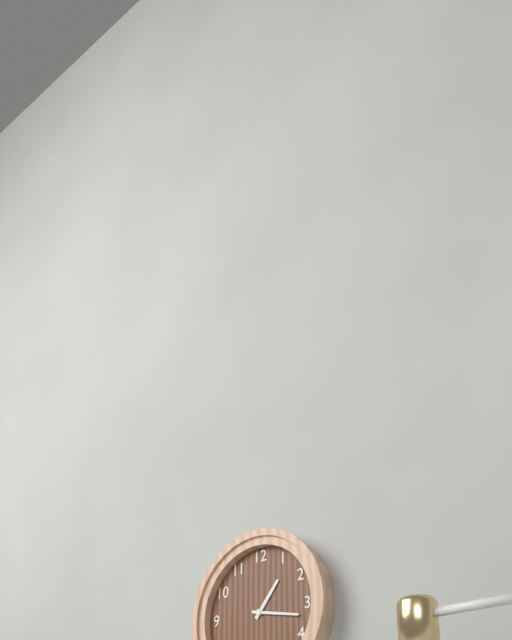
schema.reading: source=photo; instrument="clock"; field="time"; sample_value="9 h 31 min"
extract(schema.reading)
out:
1 h 17 min
